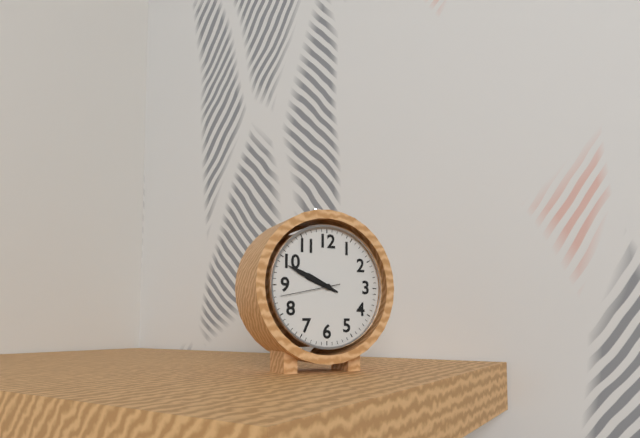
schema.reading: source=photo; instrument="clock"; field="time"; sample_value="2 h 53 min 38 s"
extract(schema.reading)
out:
9 h 49 min 43 s
